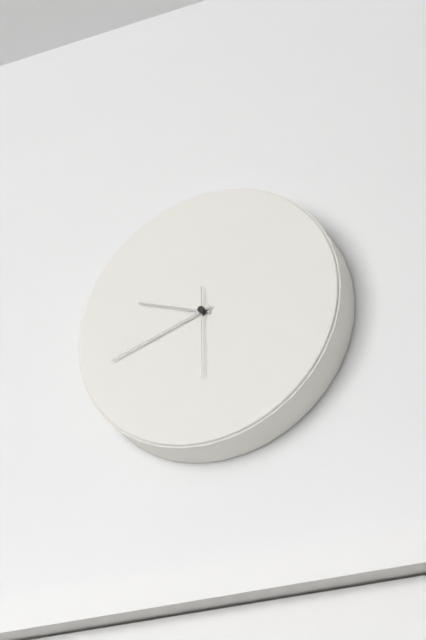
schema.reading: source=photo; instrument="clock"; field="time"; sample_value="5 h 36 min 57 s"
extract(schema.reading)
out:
9 h 42 min 30 s
